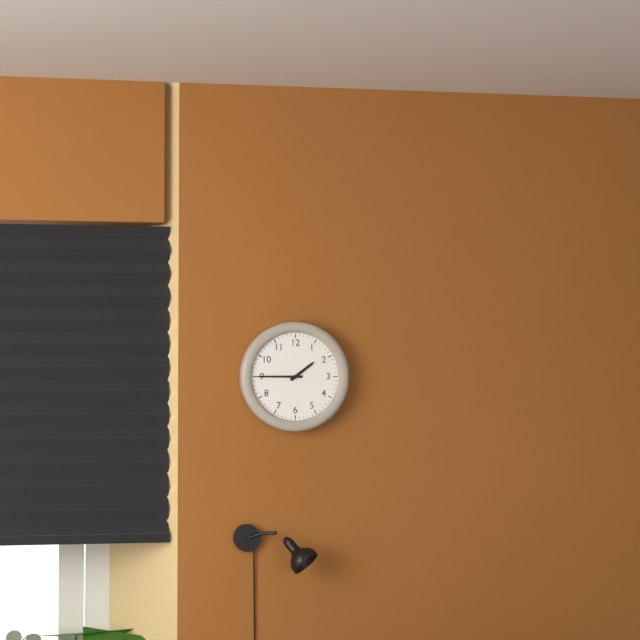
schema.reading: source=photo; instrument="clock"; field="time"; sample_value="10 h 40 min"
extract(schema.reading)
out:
1 h 45 min
